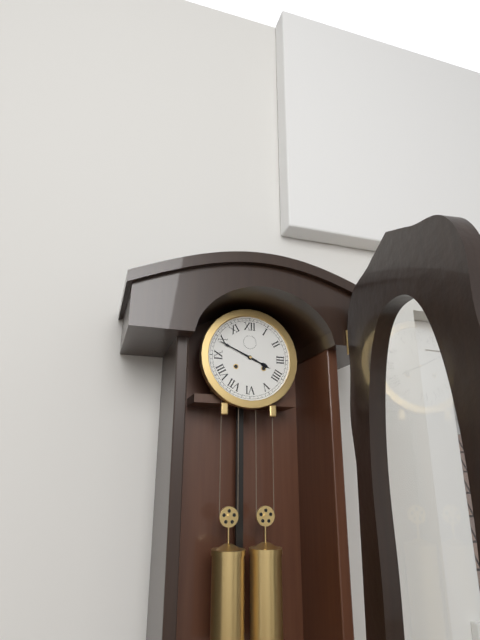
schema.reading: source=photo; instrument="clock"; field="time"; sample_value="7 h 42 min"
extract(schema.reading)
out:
3 h 49 min
